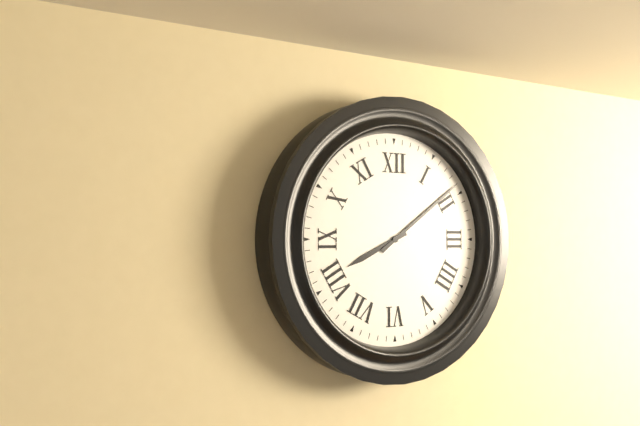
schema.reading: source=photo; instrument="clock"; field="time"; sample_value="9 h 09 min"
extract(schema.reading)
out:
8 h 09 min
